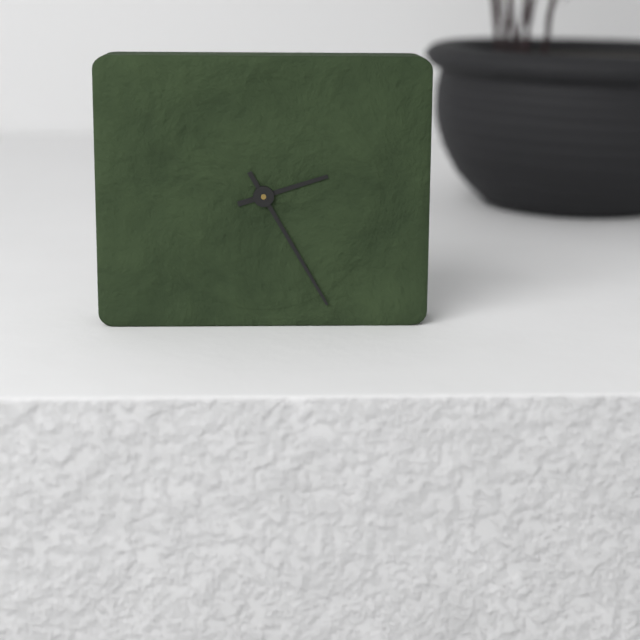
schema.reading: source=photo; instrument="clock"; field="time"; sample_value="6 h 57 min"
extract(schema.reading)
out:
2 h 25 min
